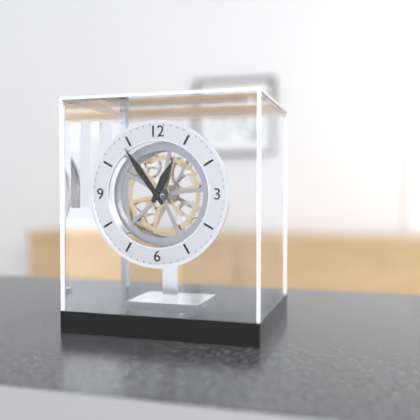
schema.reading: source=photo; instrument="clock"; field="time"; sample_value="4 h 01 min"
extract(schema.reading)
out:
12 h 54 min
